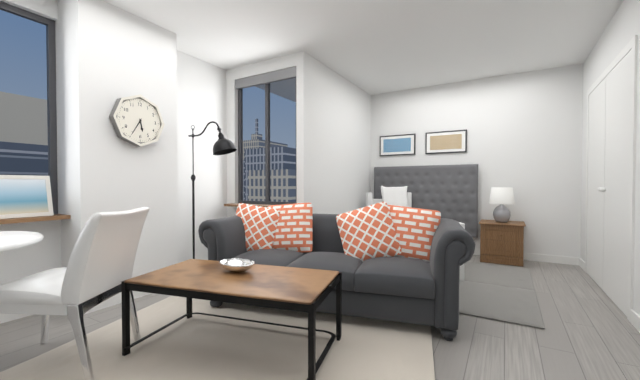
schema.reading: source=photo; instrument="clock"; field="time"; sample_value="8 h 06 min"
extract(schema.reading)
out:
5 h 35 min
